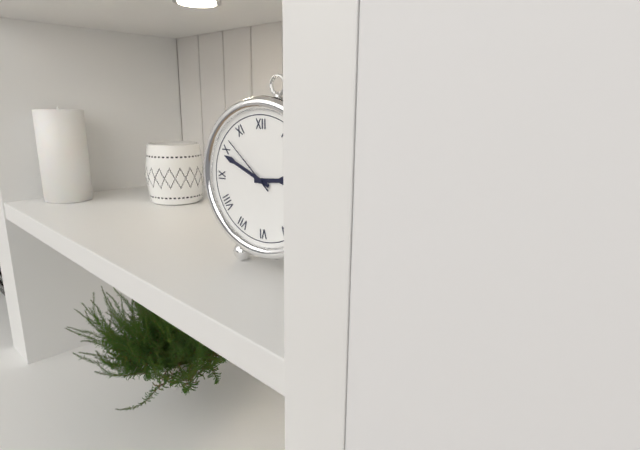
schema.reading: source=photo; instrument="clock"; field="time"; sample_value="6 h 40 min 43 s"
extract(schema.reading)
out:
2 h 49 min 52 s
